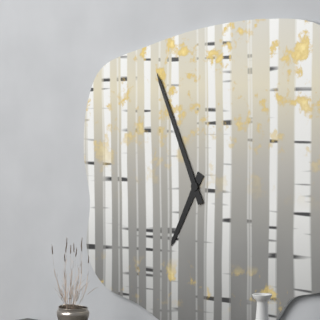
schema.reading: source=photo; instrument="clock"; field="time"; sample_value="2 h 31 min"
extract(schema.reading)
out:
6 h 56 min
